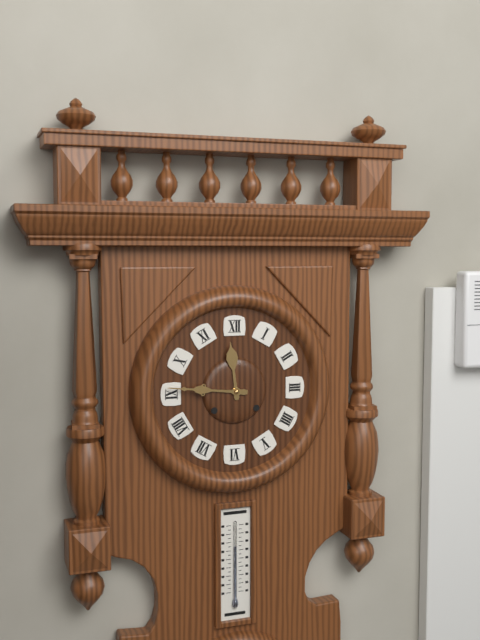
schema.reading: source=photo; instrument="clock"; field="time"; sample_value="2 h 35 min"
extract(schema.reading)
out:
11 h 46 min
